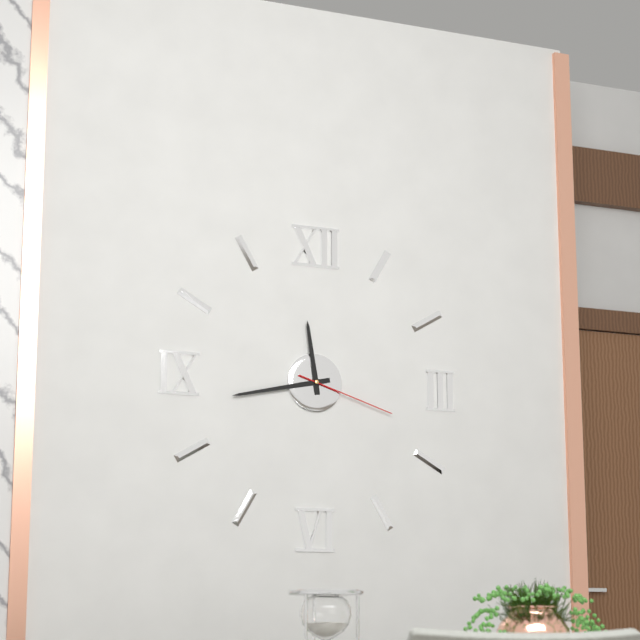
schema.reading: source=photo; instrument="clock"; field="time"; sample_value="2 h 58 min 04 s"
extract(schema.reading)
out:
11 h 43 min 18 s
